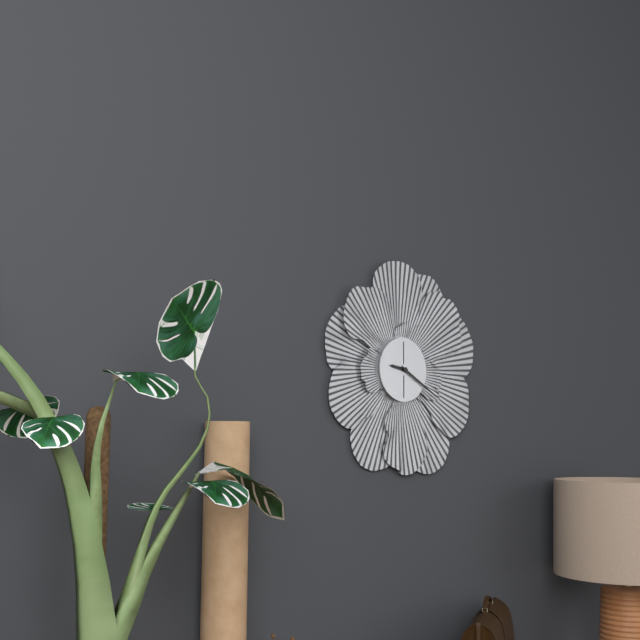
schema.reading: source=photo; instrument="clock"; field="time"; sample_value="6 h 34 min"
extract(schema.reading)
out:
9 h 20 min
